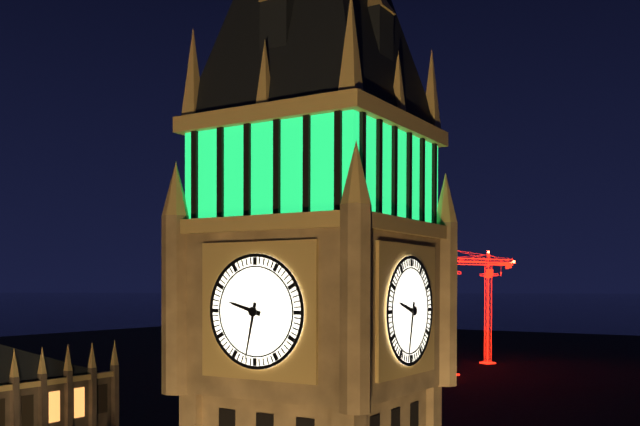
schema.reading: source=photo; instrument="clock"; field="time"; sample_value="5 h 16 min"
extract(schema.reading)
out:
9 h 32 min
